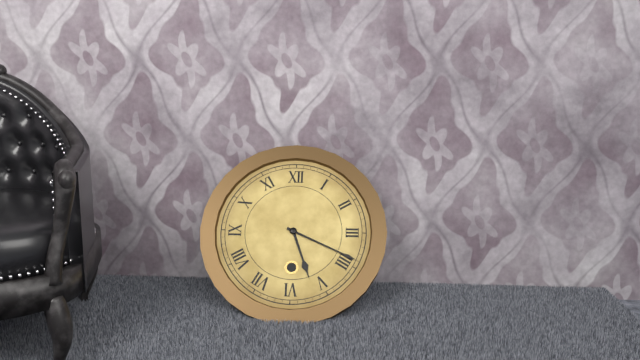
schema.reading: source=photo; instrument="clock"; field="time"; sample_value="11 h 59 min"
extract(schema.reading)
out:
5 h 19 min
